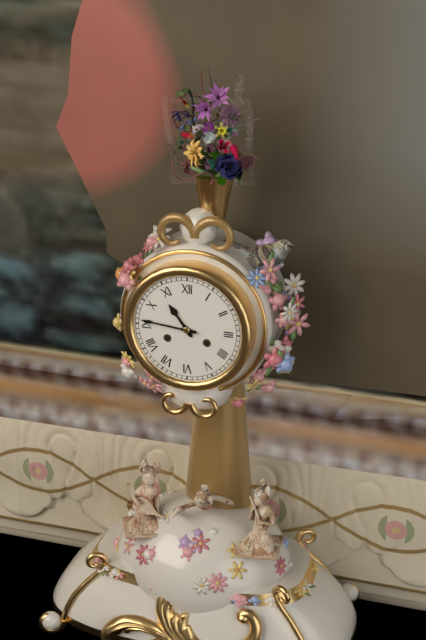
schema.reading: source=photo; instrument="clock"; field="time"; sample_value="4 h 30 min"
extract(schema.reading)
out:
10 h 46 min
